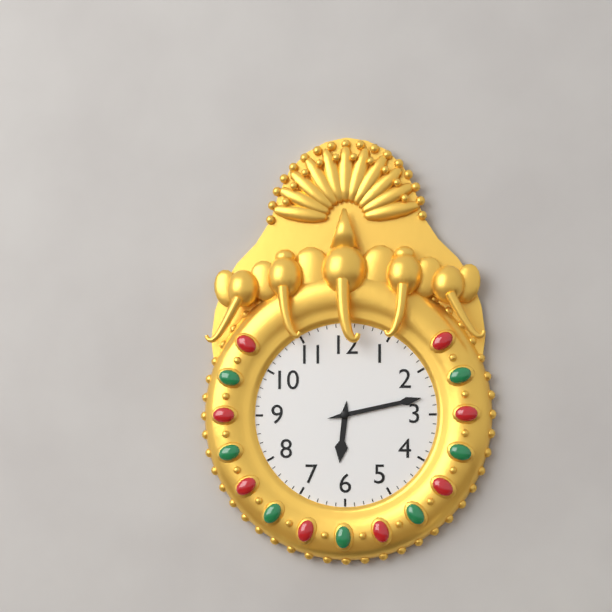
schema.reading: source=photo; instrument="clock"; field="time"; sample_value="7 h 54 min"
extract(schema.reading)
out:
6 h 13 min
